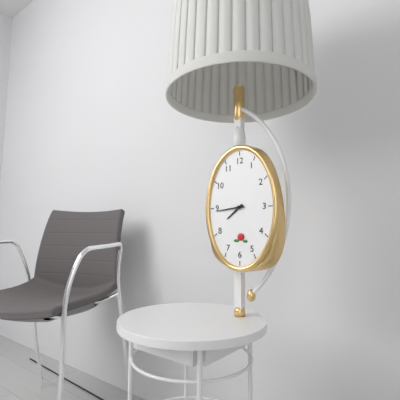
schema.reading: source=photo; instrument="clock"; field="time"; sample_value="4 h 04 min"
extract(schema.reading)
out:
7 h 44 min
